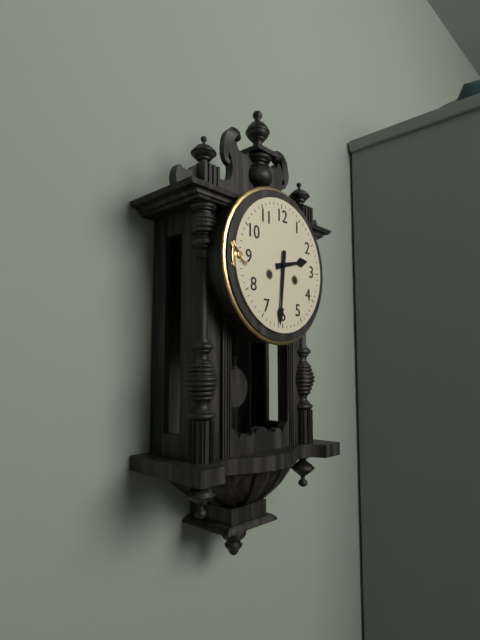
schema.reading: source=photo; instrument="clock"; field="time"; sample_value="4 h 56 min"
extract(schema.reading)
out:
2 h 31 min
